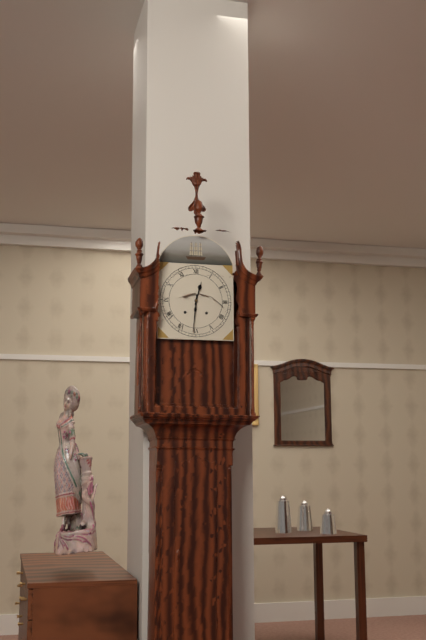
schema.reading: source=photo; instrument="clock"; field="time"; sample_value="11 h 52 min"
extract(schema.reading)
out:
12 h 31 min
